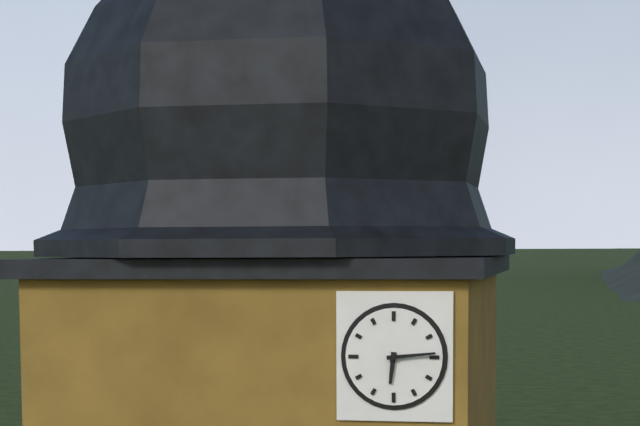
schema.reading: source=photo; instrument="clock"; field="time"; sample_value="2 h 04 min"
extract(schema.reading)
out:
6 h 14 min
